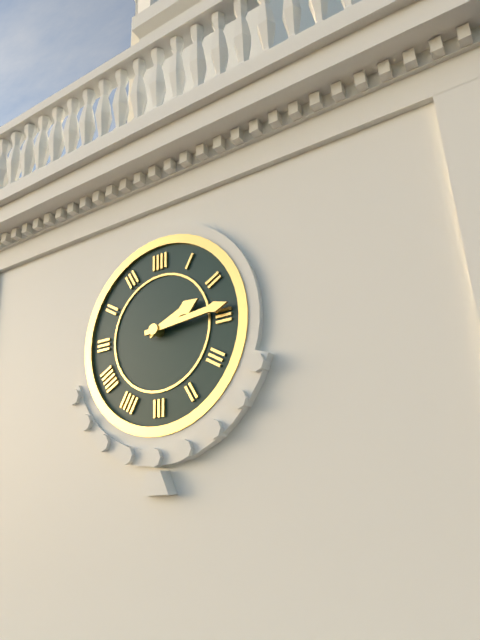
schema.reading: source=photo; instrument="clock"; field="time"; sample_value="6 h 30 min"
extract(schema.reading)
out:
2 h 14 min
